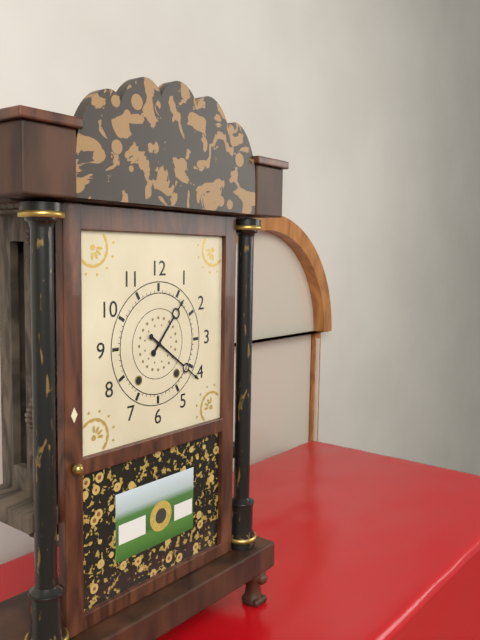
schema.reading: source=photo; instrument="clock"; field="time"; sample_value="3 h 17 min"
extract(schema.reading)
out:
1 h 21 min
